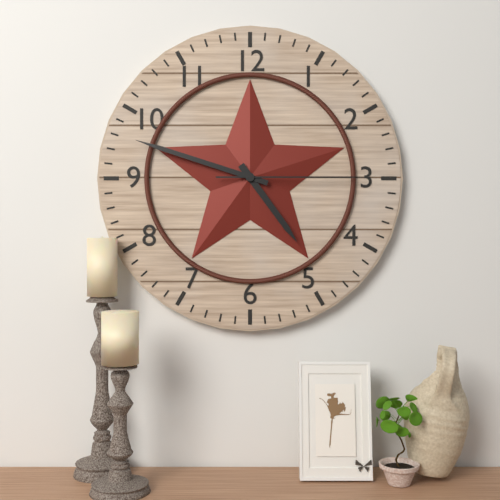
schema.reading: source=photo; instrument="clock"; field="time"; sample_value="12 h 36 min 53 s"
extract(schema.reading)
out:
4 h 48 min 15 s
